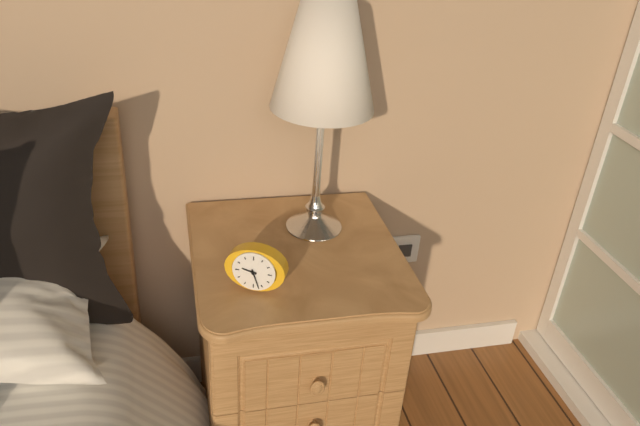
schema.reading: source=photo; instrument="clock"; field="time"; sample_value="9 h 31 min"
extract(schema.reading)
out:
9 h 27 min
